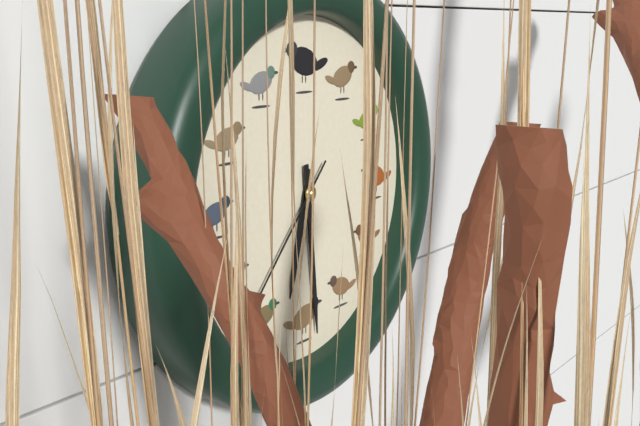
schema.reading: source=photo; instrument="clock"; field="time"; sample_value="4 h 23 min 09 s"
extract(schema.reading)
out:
6 h 29 min 37 s
